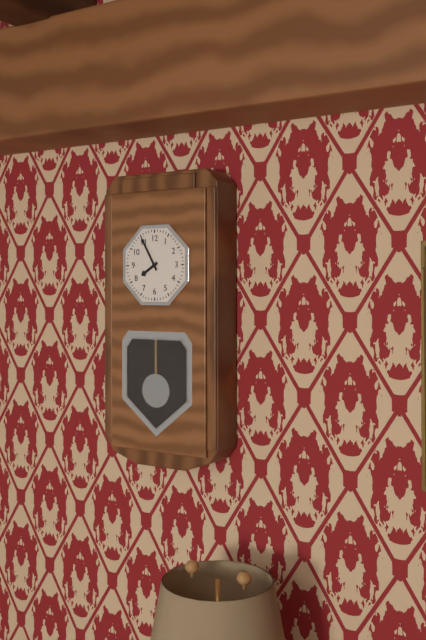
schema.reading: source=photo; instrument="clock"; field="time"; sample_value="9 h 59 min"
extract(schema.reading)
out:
7 h 55 min
